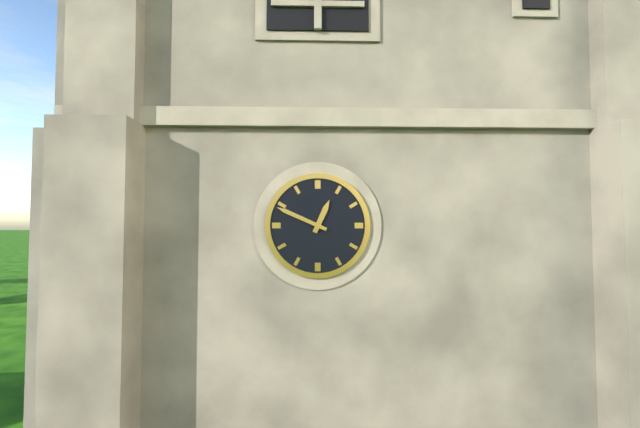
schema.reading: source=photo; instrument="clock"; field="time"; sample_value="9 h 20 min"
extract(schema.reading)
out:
12 h 49 min
